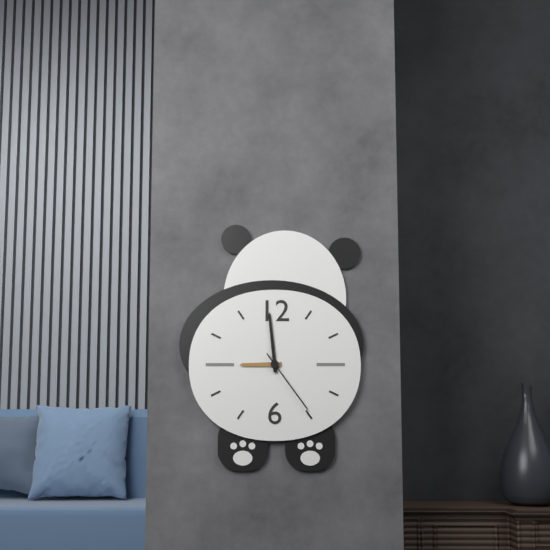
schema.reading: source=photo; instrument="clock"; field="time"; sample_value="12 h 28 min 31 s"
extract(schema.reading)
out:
8 h 59 min 24 s
